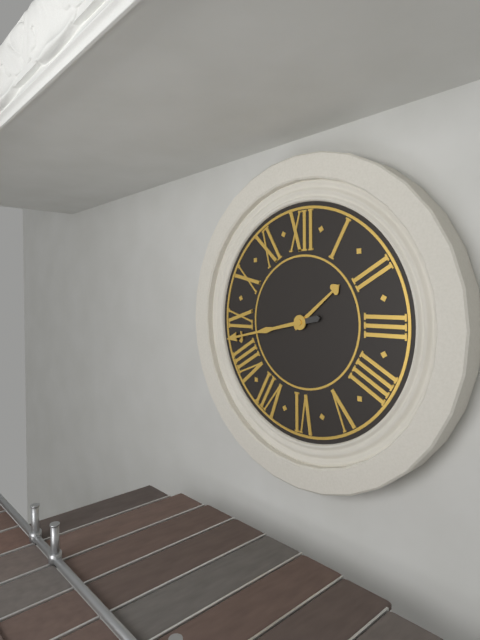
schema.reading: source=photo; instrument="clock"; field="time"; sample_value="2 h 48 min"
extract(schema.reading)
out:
1 h 43 min
